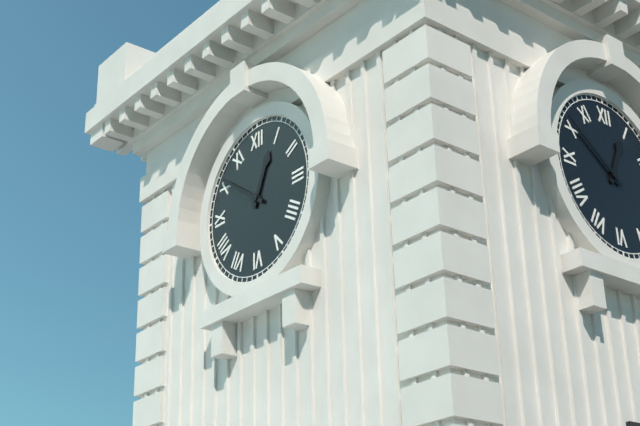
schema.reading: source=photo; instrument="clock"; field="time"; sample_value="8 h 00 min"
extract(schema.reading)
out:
12 h 51 min
